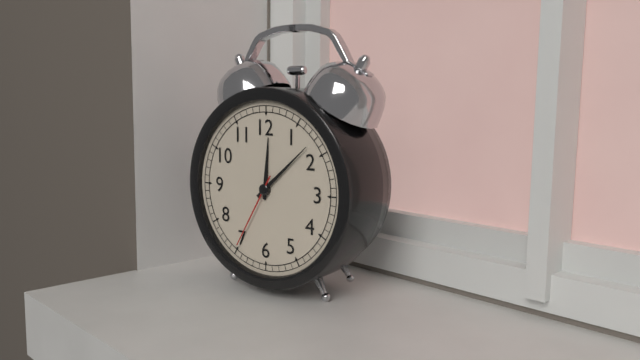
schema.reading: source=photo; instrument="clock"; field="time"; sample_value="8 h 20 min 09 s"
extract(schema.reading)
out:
12 h 08 min 35 s
